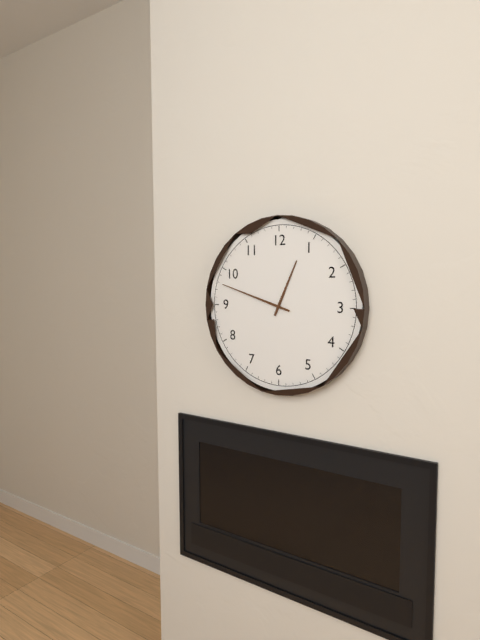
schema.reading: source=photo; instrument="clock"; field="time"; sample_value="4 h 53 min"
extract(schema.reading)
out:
12 h 48 min
